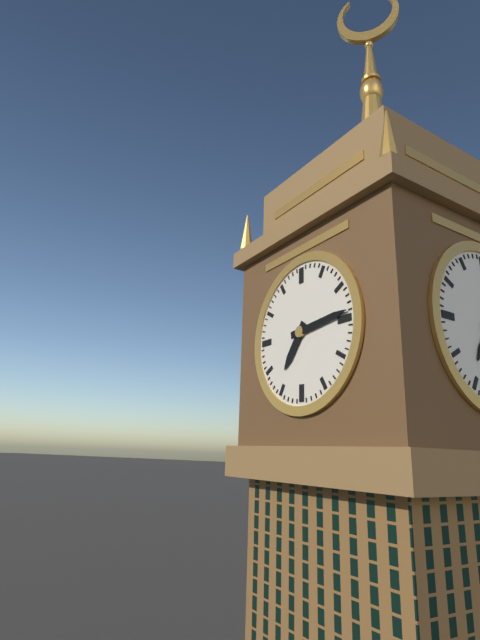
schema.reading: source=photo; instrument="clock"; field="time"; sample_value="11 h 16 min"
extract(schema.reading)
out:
7 h 14 min
